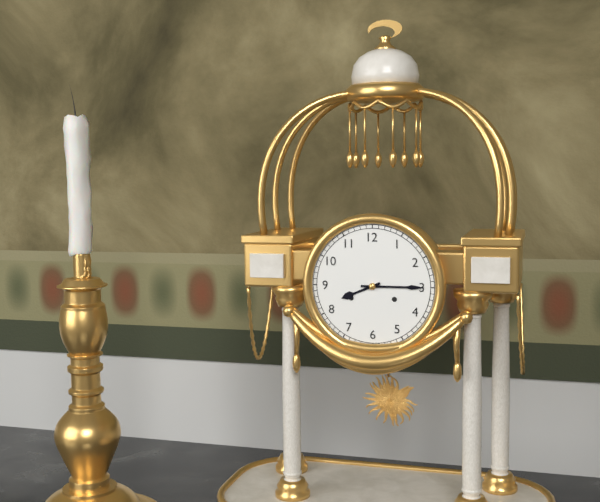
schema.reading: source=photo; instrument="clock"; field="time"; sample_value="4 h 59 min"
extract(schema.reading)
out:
8 h 15 min
